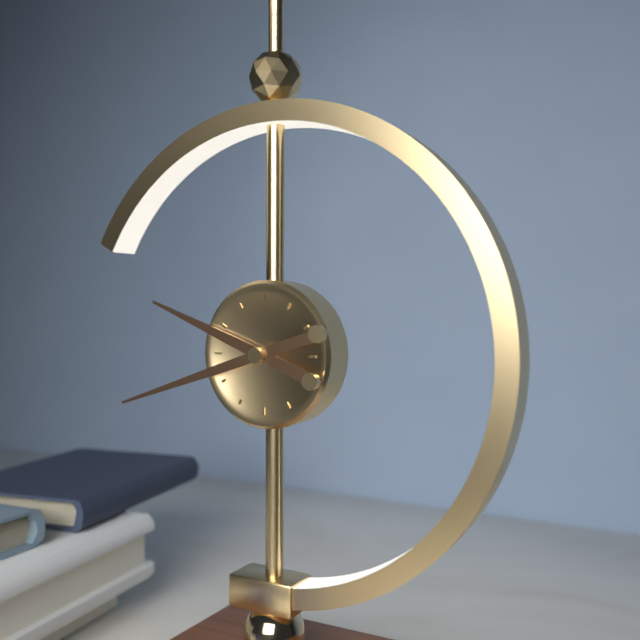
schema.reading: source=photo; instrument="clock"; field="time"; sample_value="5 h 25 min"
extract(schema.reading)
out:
9 h 42 min
